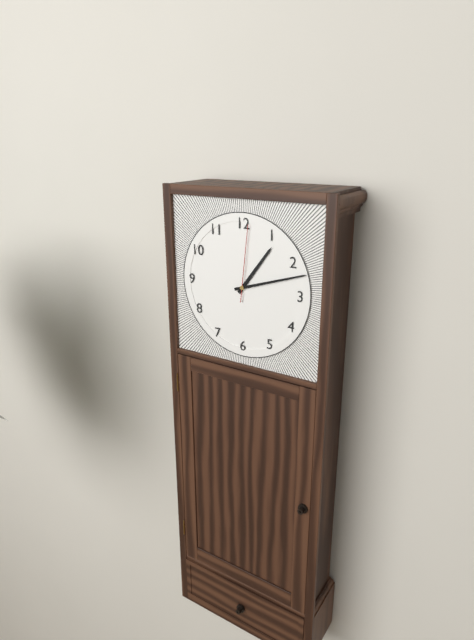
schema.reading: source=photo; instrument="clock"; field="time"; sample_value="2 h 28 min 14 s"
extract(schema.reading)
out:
1 h 12 min 01 s
